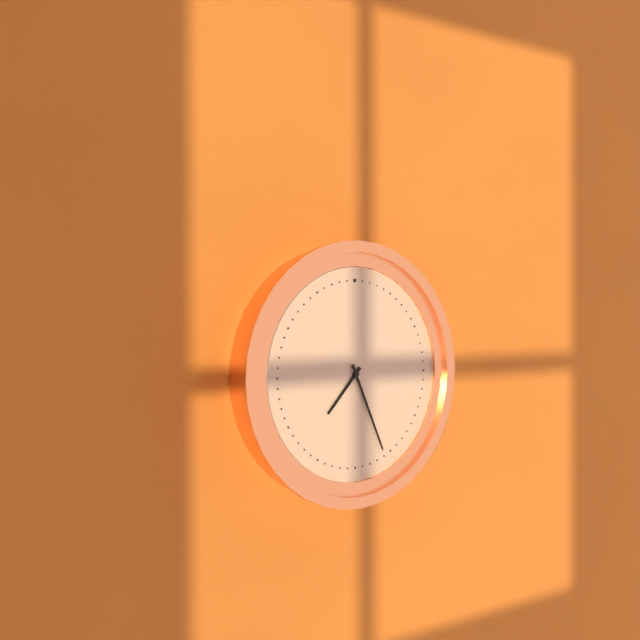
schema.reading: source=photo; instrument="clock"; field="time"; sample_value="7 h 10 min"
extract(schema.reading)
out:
7 h 26 min
